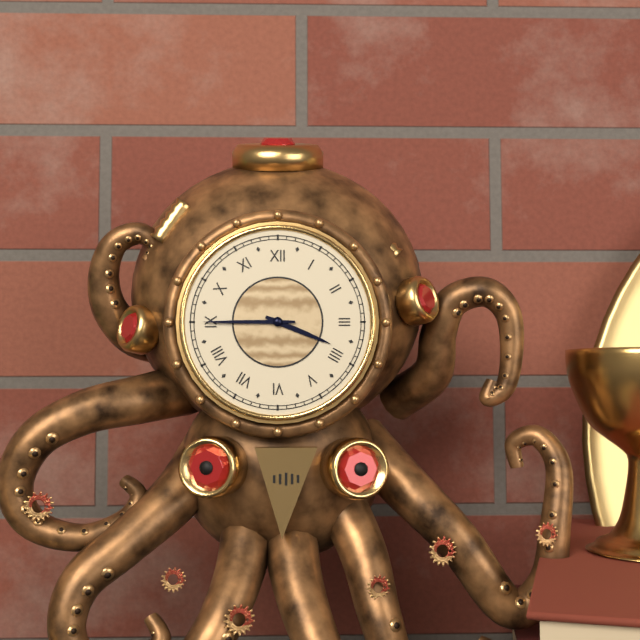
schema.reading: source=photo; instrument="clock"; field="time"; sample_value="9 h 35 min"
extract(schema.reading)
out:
3 h 45 min
